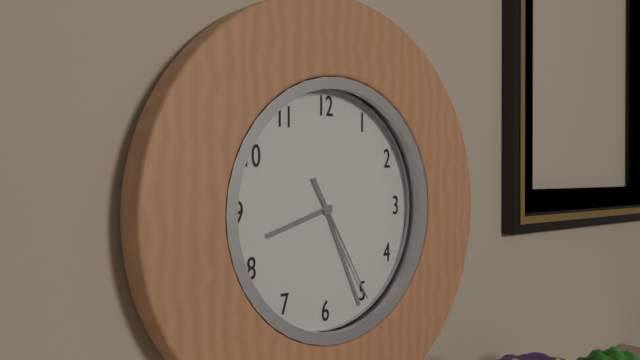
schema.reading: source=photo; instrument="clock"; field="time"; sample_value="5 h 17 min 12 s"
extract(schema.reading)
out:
8 h 26 min 25 s
